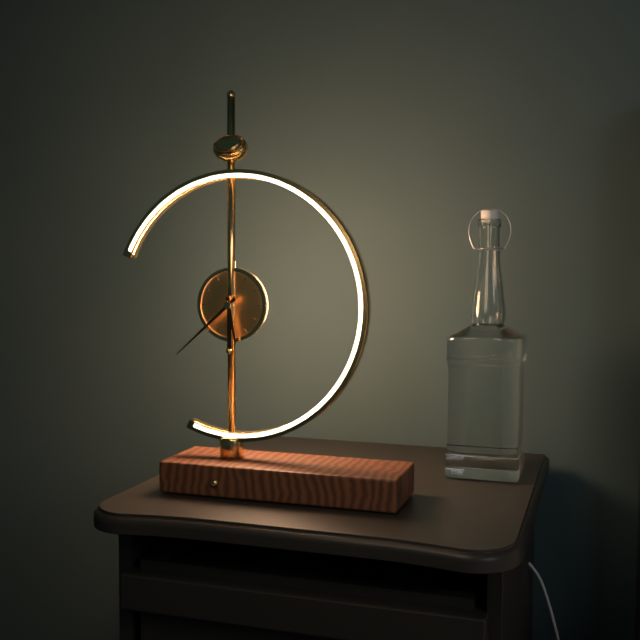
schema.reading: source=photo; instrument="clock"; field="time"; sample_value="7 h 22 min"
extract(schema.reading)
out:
5 h 38 min
